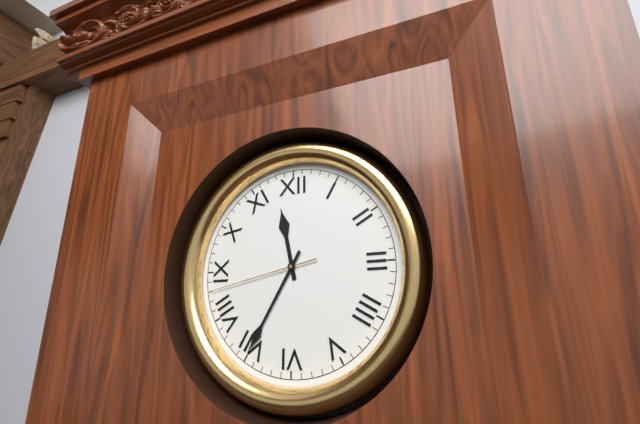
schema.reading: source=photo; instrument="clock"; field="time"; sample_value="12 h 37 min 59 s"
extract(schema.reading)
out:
11 h 35 min 43 s
